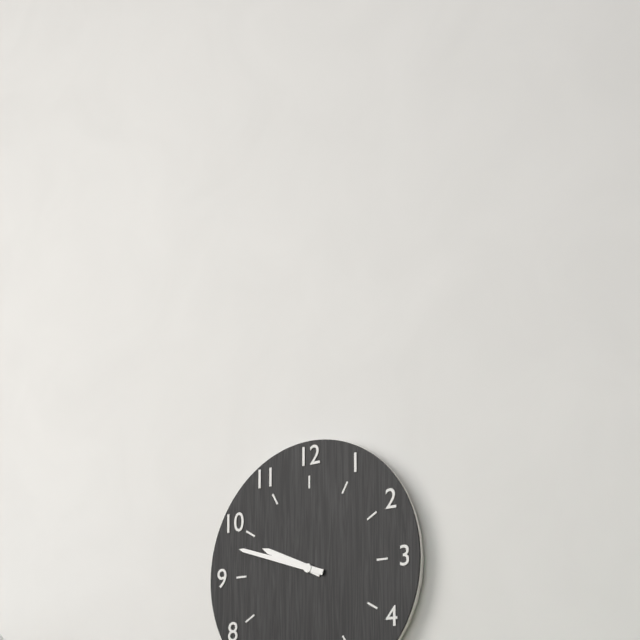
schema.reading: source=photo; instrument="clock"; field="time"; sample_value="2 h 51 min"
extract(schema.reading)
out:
9 h 48 min
